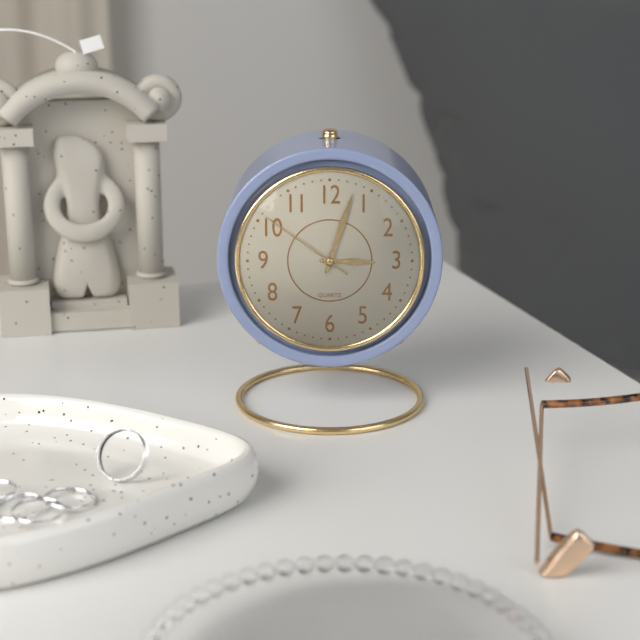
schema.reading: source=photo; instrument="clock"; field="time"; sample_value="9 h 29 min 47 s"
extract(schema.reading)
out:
3 h 03 min 51 s
